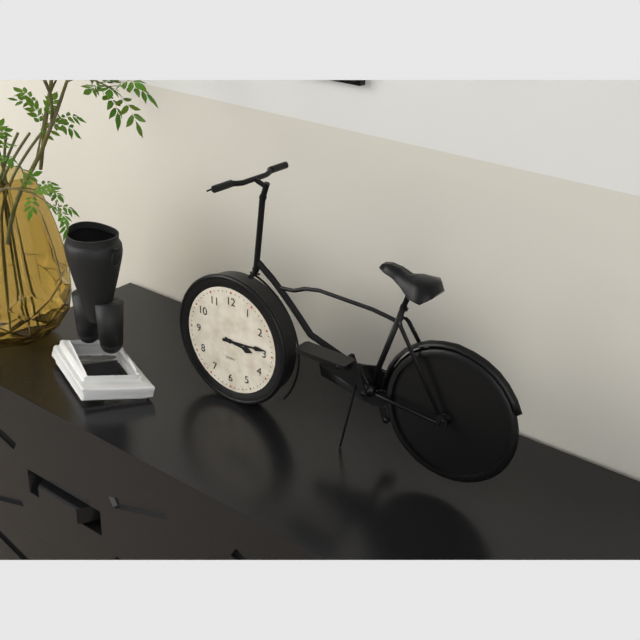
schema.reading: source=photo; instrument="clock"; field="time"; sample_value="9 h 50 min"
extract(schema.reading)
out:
3 h 14 min
